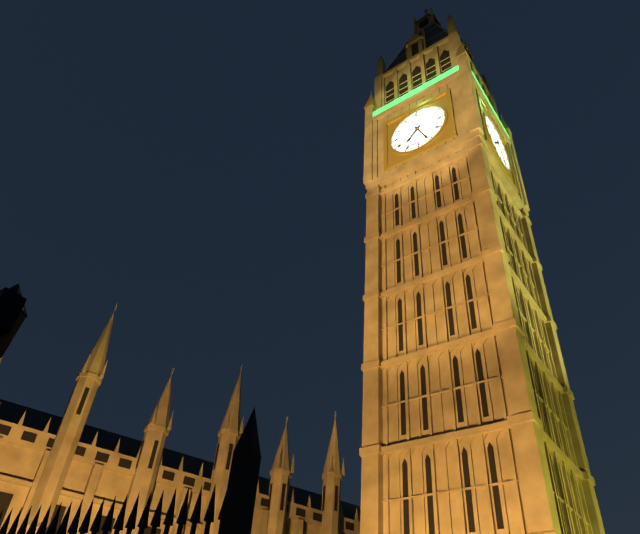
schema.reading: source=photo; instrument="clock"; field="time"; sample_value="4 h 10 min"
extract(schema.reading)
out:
7 h 26 min
